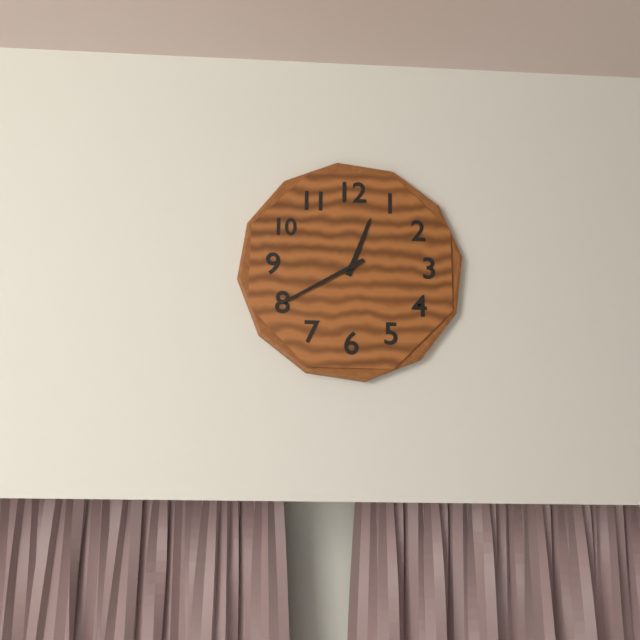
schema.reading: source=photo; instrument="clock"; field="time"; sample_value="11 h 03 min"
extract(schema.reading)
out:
12 h 40 min
